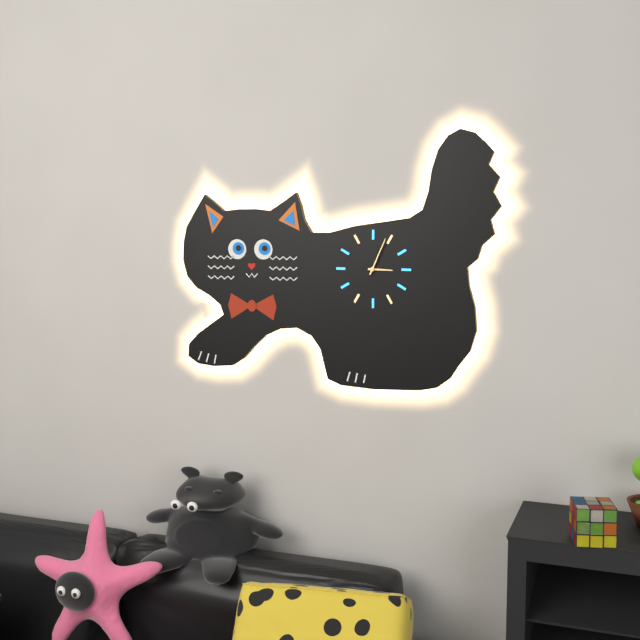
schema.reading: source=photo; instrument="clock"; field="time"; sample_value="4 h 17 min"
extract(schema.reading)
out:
3 h 04 min
